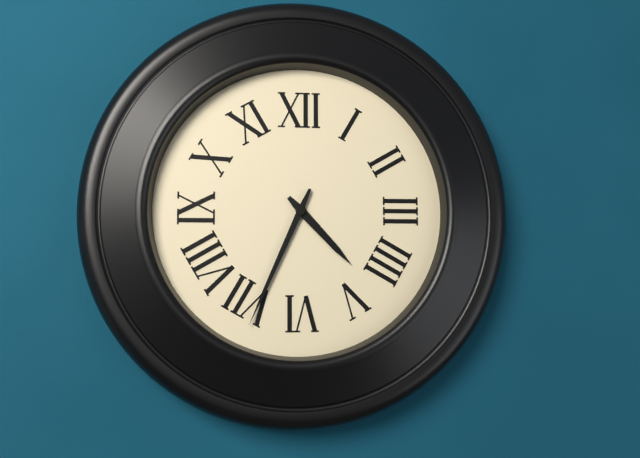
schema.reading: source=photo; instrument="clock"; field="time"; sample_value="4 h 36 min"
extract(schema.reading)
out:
4 h 34 min
